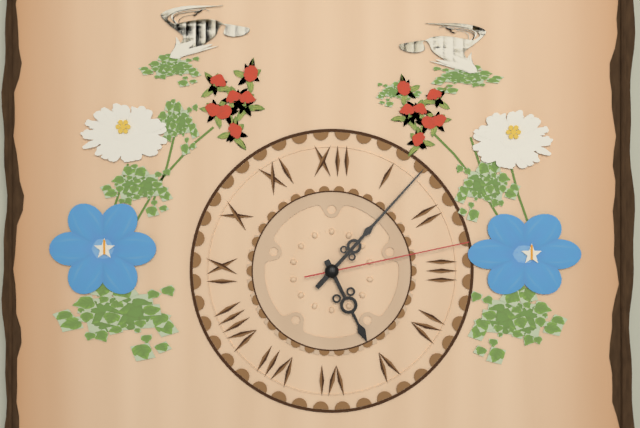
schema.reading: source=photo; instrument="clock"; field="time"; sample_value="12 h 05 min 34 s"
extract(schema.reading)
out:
5 h 07 min 13 s
